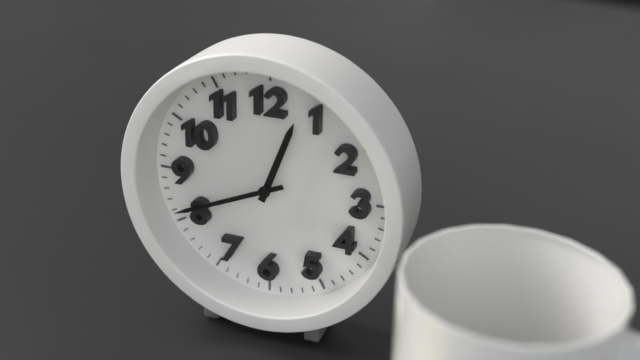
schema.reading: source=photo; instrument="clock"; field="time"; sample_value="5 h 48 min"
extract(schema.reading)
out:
12 h 41 min
